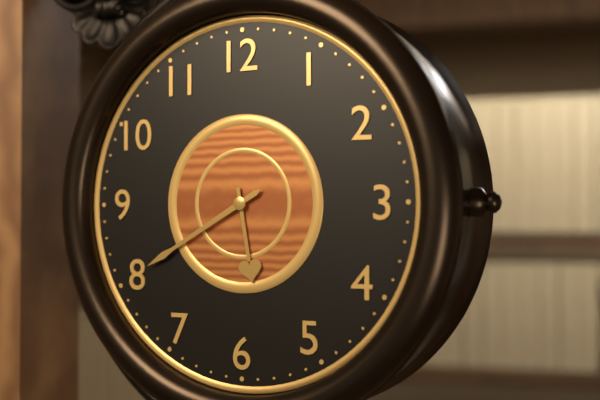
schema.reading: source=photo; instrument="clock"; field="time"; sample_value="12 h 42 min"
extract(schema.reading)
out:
5 h 40 min
